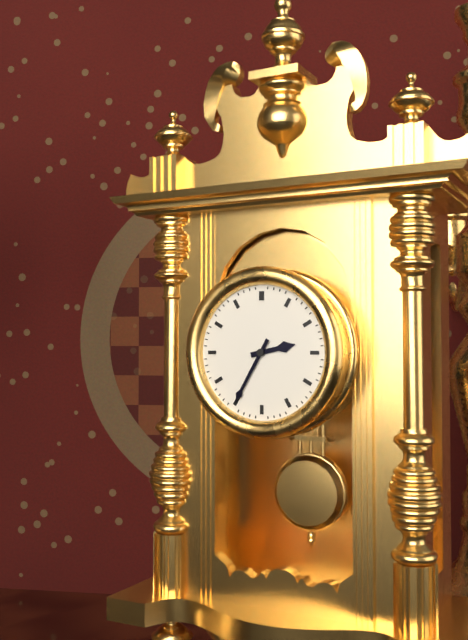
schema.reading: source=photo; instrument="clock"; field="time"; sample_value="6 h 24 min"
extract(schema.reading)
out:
2 h 35 min
